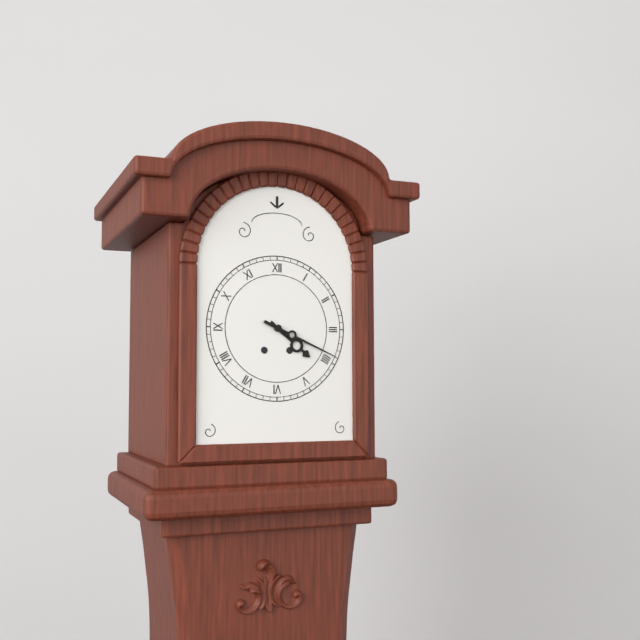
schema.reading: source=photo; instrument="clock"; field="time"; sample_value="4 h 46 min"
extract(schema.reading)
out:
4 h 19 min
